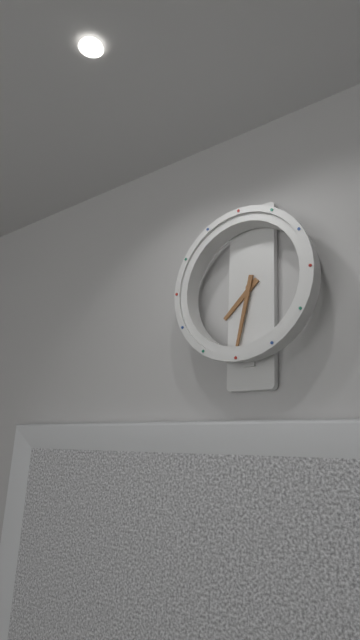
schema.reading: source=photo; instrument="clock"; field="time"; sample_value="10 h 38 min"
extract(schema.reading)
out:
7 h 32 min
